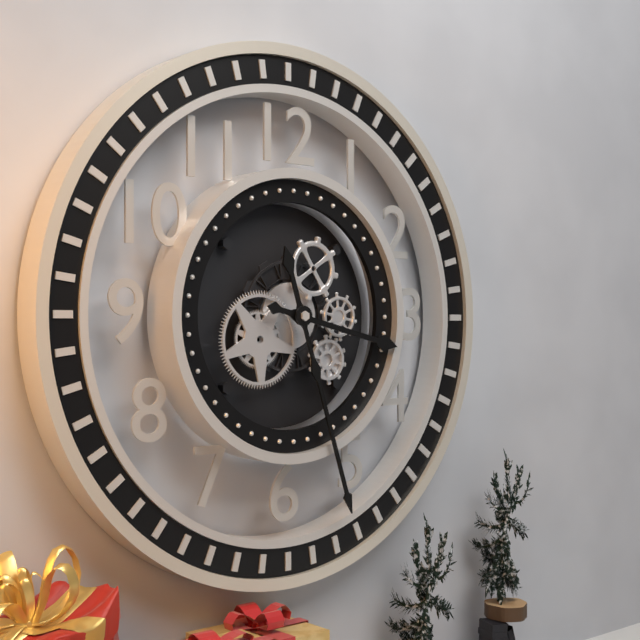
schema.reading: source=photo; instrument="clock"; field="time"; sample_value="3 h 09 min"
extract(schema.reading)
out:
3 h 27 min
